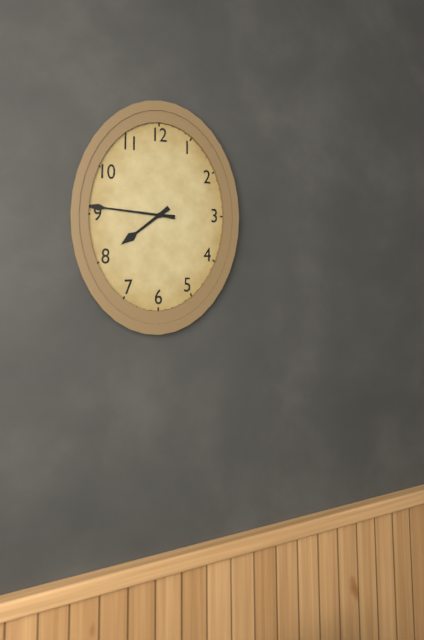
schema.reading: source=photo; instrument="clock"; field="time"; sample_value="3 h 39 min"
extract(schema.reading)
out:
7 h 46 min
